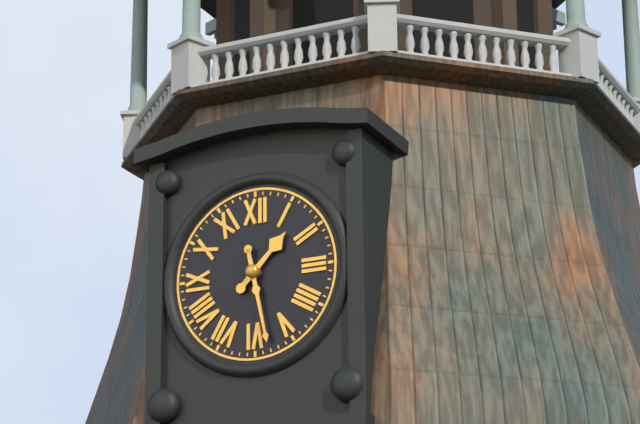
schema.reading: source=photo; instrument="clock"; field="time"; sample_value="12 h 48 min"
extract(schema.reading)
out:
1 h 28 min
